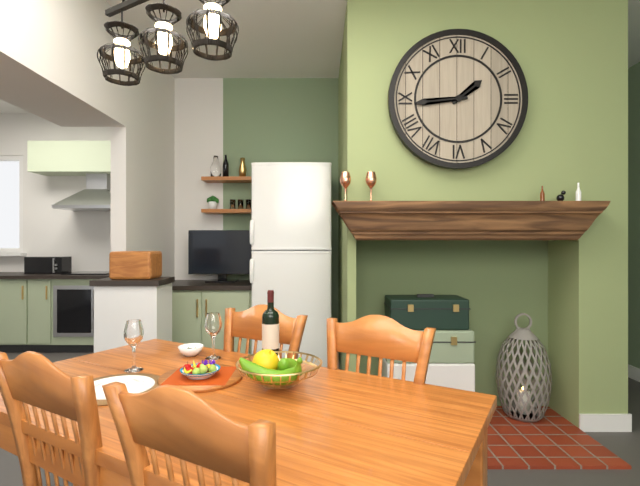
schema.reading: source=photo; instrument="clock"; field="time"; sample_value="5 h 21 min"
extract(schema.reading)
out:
1 h 44 min
